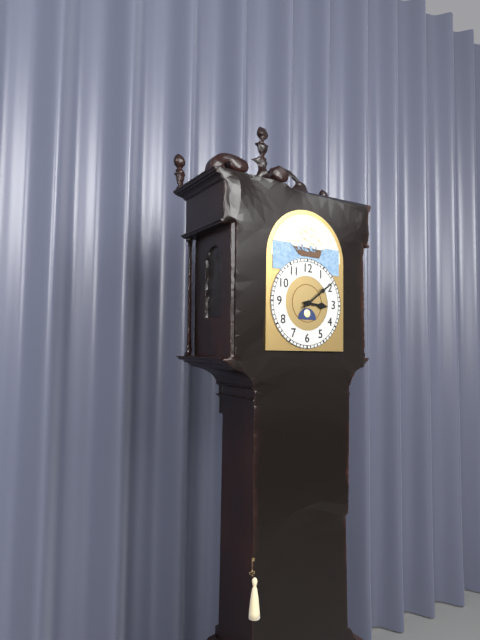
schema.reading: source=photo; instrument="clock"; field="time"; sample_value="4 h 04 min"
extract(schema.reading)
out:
3 h 09 min
